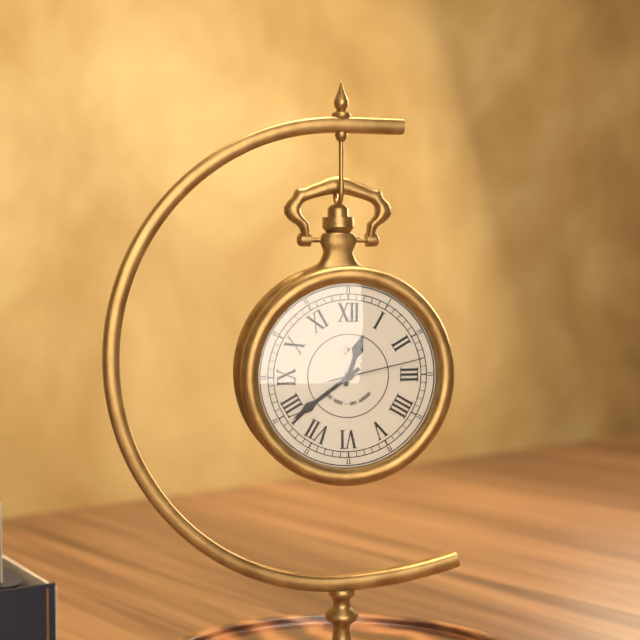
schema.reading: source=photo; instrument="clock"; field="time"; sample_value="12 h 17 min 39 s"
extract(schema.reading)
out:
12 h 39 min 13 s
